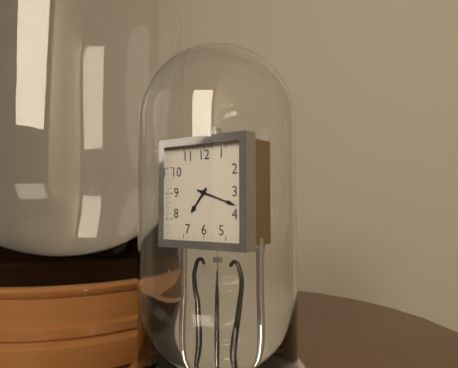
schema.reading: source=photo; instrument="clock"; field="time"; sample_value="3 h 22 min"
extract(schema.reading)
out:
7 h 18 min
